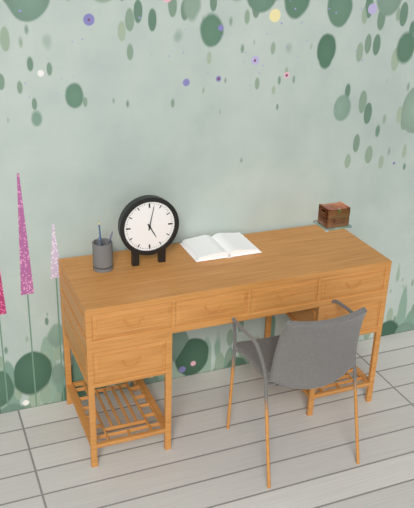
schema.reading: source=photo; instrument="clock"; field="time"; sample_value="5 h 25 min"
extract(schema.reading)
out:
5 h 02 min
